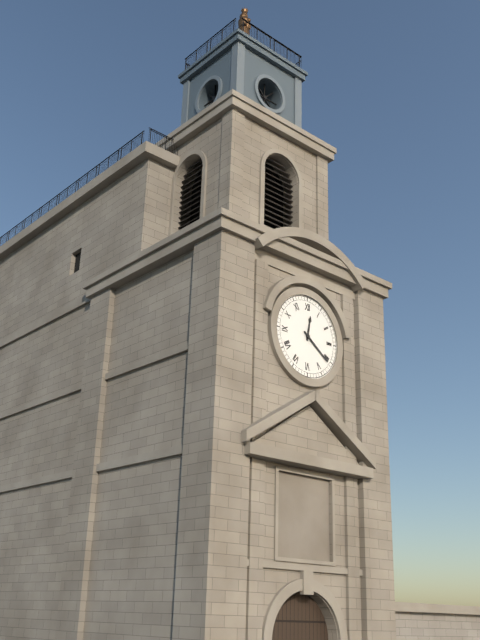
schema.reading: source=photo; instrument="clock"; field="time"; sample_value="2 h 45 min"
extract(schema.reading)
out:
12 h 21 min
